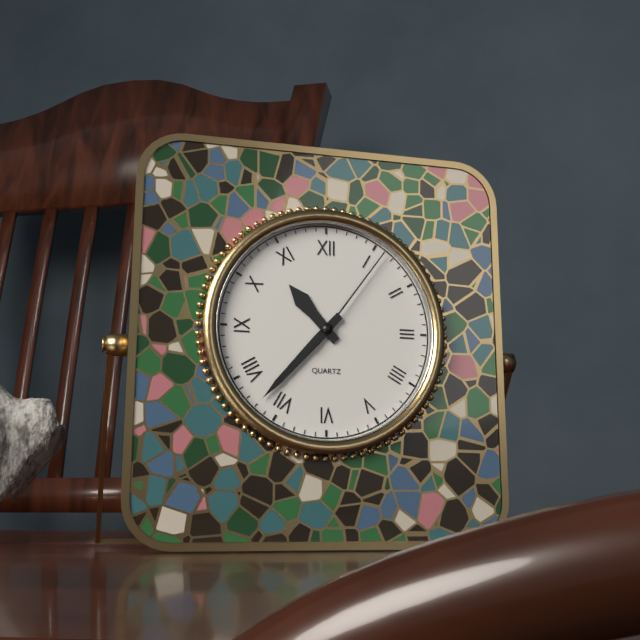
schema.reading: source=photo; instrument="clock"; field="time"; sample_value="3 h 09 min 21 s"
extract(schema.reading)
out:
10 h 37 min 06 s
